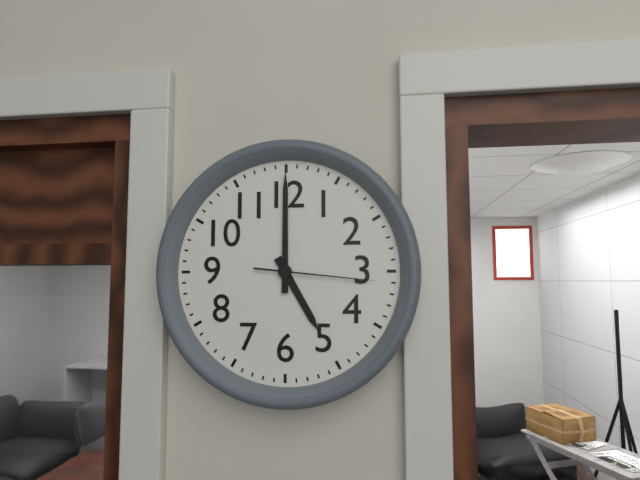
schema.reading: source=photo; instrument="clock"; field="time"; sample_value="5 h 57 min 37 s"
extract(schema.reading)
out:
5 h 00 min 16 s
